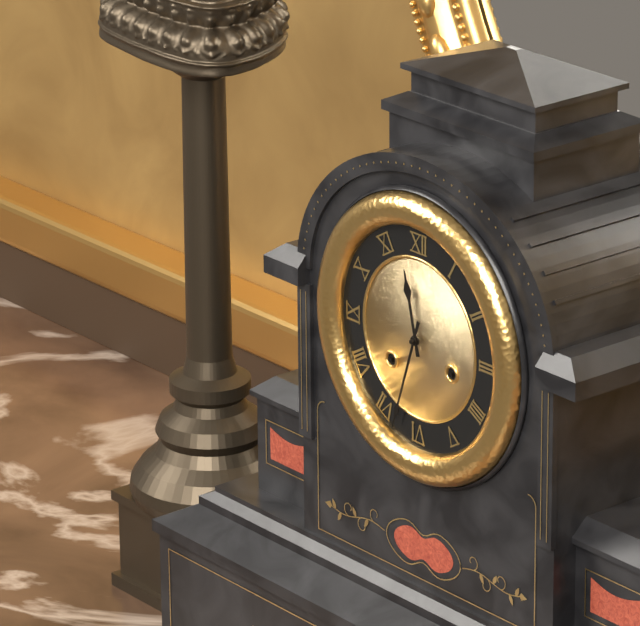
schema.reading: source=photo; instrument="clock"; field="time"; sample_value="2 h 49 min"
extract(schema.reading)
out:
11 h 33 min
